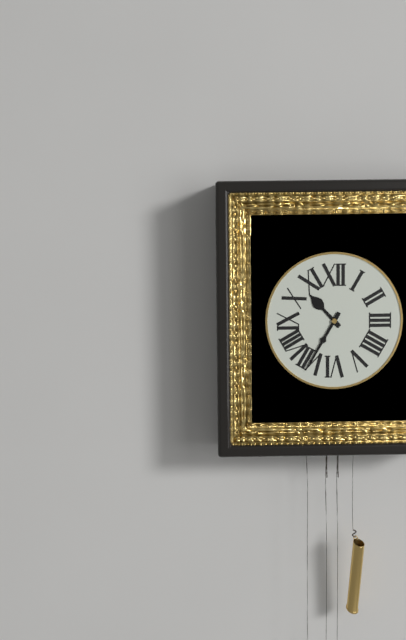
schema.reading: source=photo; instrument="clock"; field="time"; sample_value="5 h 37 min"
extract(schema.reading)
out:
10 h 35 min
